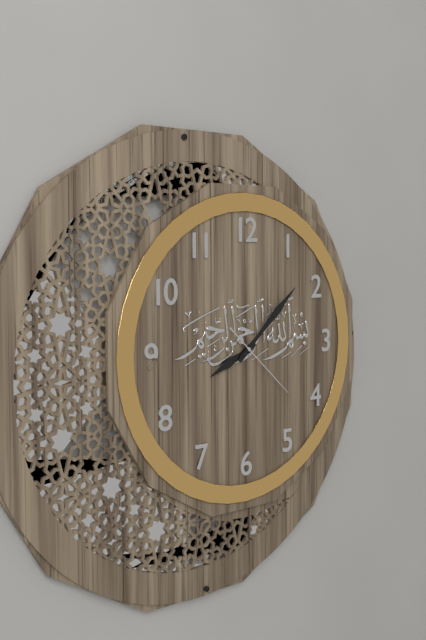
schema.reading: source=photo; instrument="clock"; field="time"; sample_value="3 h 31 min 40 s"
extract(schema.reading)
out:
8 h 08 min 22 s
